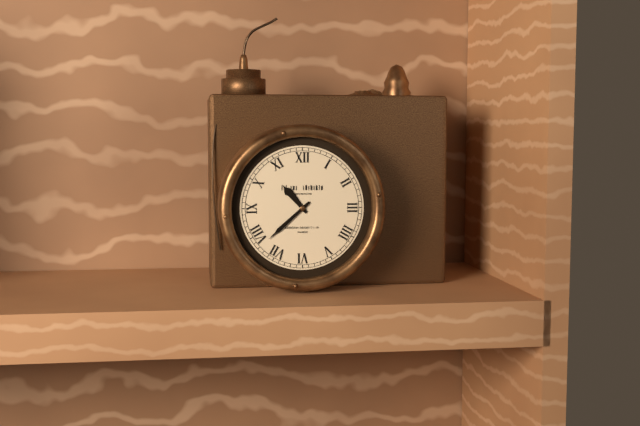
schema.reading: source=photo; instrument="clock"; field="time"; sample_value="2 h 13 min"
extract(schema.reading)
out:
10 h 38 min
